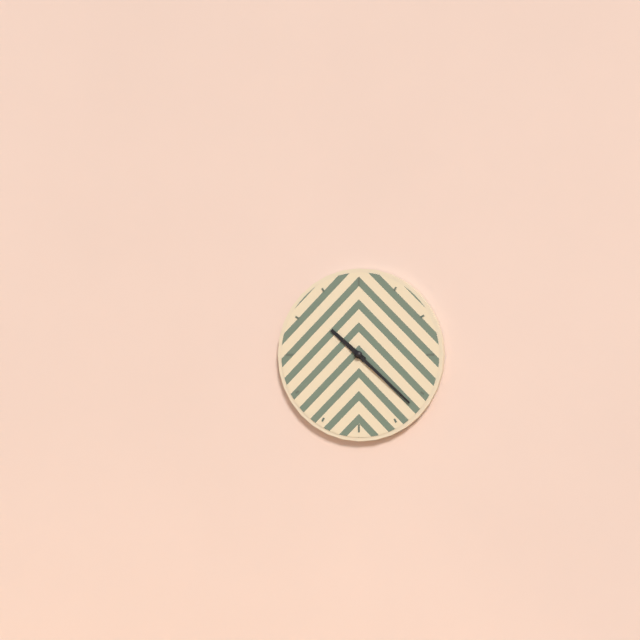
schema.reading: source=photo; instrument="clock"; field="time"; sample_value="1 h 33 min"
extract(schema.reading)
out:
10 h 22 min
